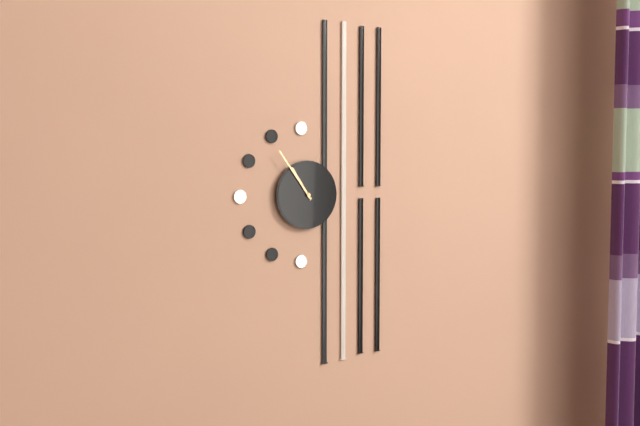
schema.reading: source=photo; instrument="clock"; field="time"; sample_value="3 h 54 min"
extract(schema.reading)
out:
10 h 54 min
